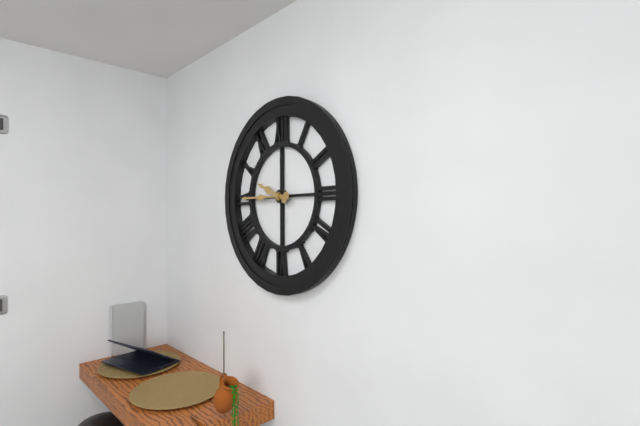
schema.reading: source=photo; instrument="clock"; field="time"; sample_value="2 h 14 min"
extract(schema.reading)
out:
9 h 45 min
